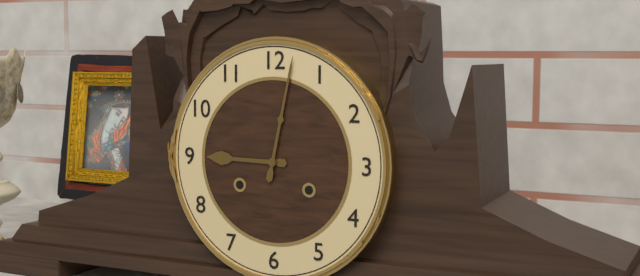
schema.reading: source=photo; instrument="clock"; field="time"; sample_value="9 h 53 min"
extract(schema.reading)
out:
9 h 02 min
